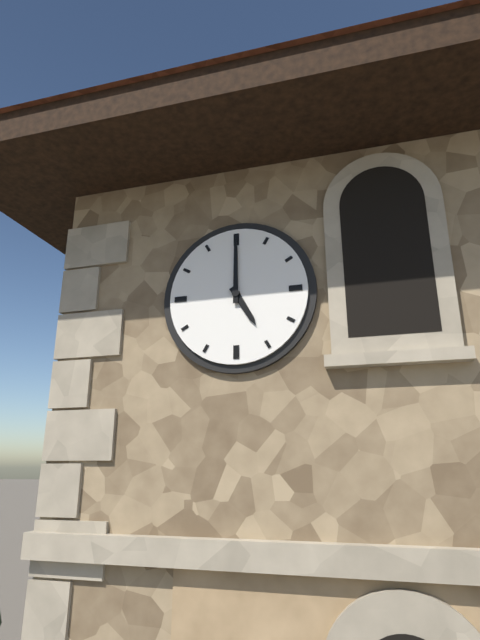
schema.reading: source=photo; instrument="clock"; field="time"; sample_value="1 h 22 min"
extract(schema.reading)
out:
5 h 00 min
